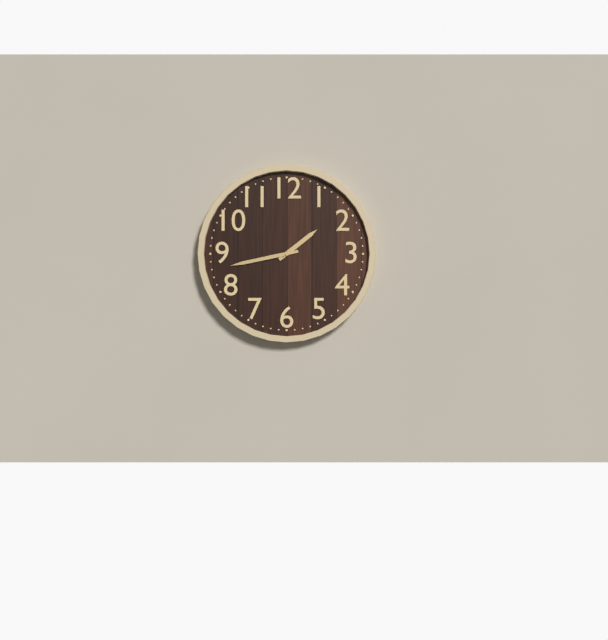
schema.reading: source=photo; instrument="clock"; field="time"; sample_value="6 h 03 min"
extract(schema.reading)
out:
1 h 43 min
